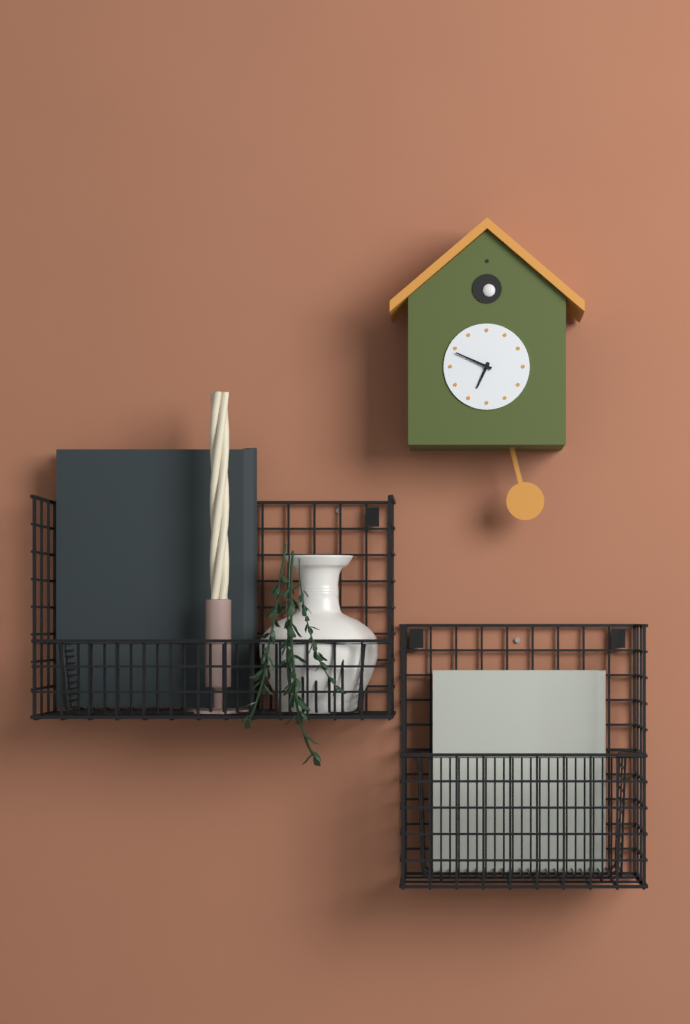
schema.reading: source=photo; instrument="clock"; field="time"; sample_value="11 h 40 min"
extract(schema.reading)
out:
6 h 49 min
